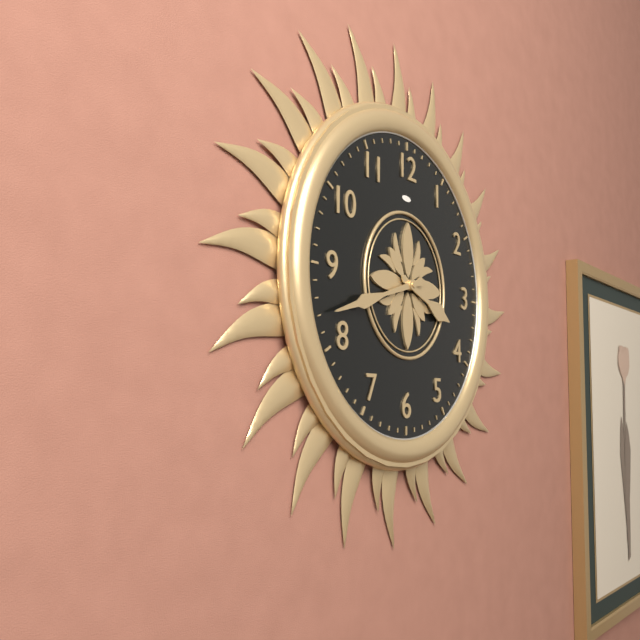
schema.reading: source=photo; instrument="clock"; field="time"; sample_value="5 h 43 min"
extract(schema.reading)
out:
3 h 42 min
